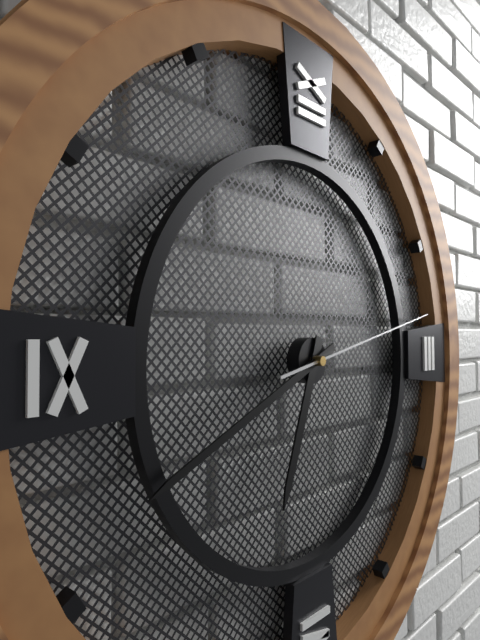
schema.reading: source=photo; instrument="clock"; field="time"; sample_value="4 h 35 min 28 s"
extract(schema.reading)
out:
6 h 41 min 13 s
